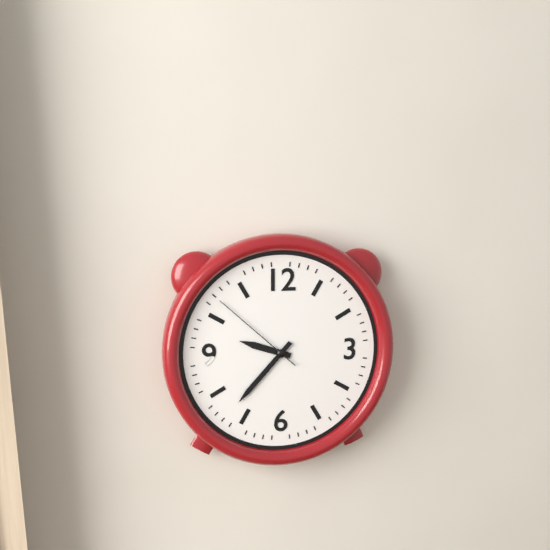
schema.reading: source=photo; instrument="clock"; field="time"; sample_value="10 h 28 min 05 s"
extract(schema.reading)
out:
9 h 37 min 52 s
